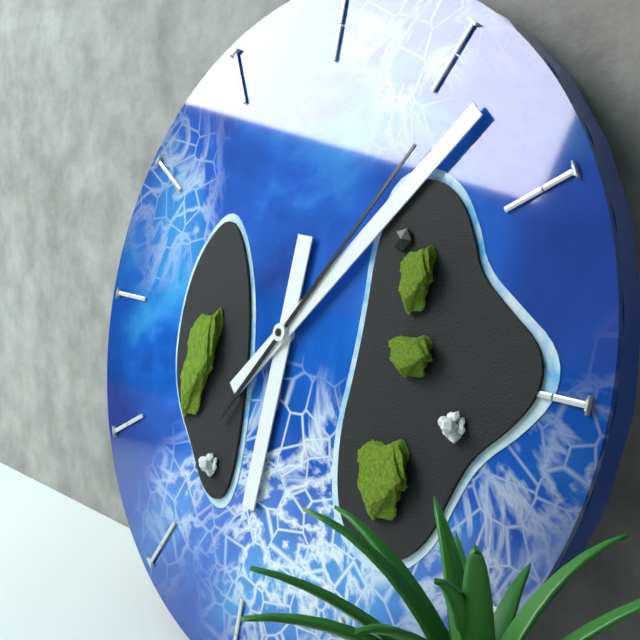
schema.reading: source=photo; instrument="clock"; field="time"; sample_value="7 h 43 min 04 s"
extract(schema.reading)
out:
6 h 07 min 06 s
